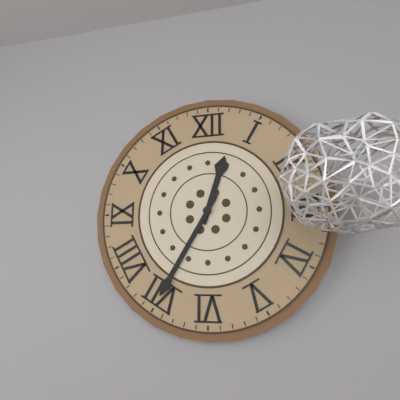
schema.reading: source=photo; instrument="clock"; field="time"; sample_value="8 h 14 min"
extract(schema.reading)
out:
12 h 35 min
